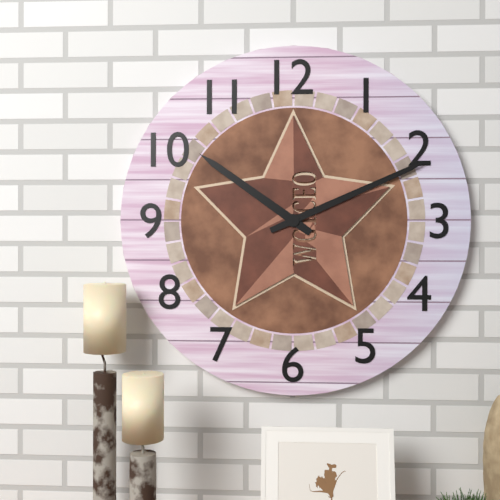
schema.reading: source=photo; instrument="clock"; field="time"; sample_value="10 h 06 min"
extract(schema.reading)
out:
10 h 11 min
